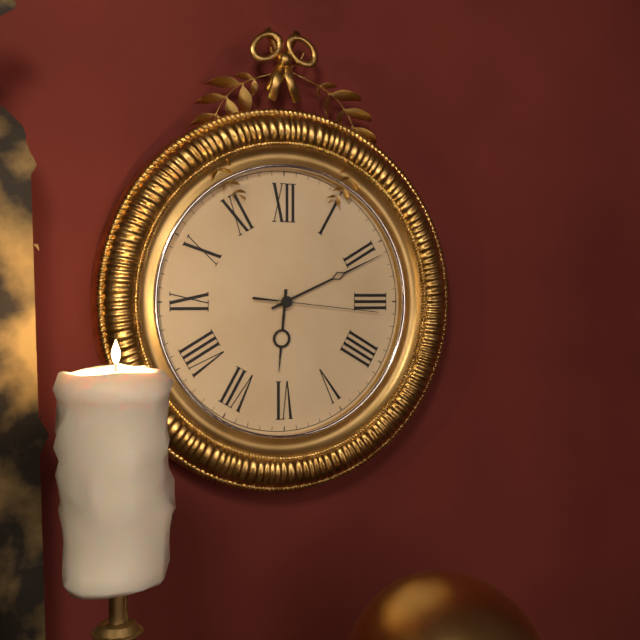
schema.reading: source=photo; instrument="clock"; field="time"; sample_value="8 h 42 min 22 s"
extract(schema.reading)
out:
6 h 11 min 16 s
